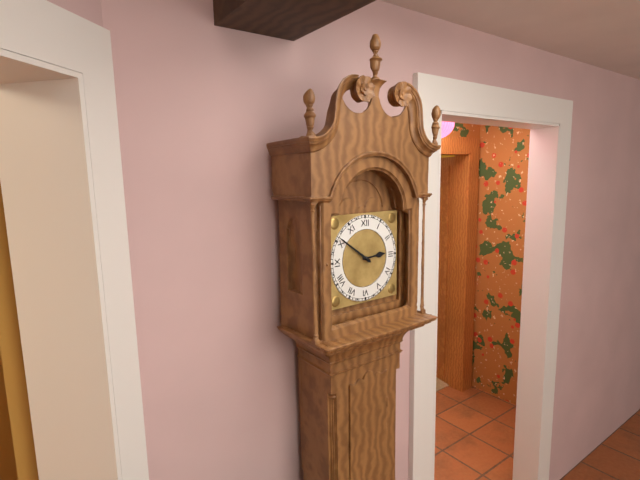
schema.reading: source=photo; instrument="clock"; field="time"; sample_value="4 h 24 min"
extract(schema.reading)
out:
2 h 51 min
